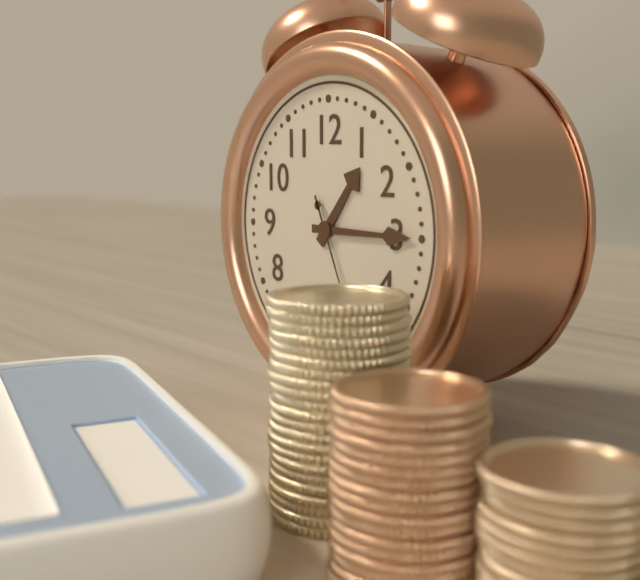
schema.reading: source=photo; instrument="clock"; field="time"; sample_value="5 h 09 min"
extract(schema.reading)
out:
1 h 15 min
